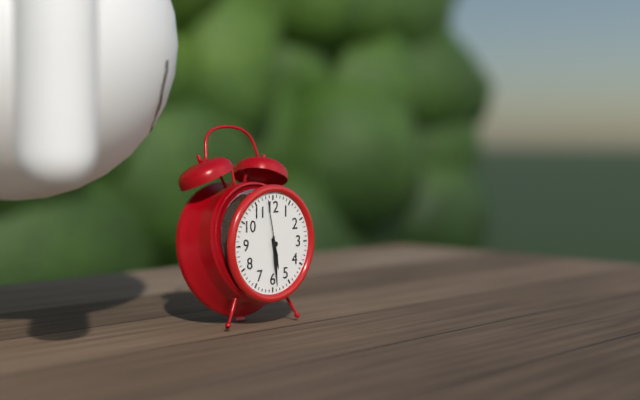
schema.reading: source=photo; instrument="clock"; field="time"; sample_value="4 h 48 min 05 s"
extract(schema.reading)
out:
5 h 29 min 58 s
